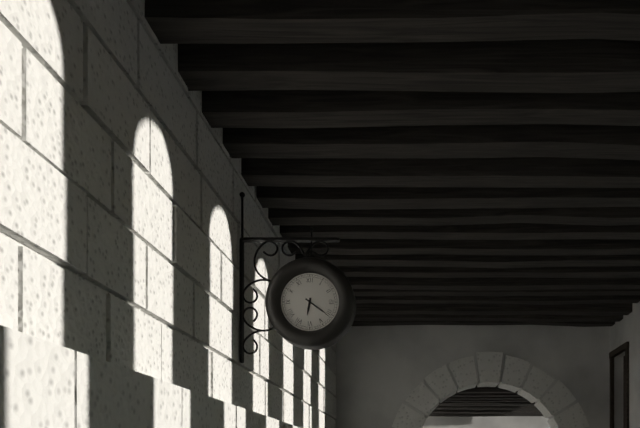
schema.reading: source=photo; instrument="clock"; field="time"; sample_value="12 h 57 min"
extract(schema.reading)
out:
6 h 21 min
